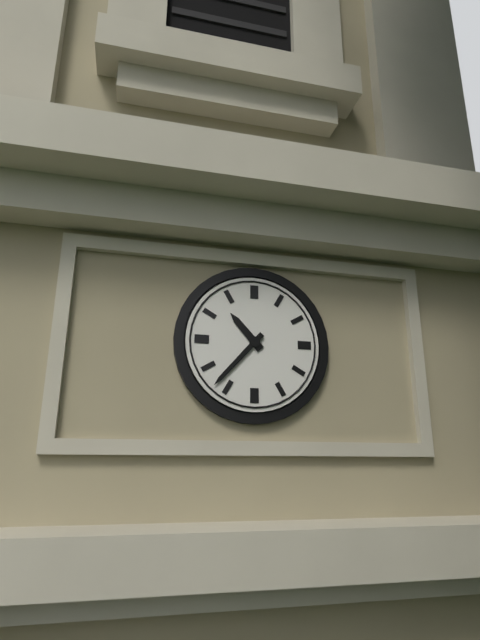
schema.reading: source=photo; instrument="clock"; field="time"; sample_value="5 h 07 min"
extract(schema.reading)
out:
10 h 37 min
